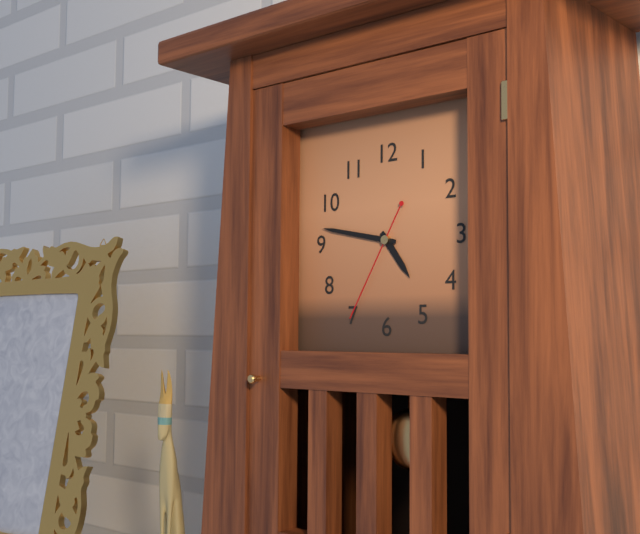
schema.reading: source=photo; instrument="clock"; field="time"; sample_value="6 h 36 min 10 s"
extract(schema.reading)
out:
4 h 47 min 35 s
